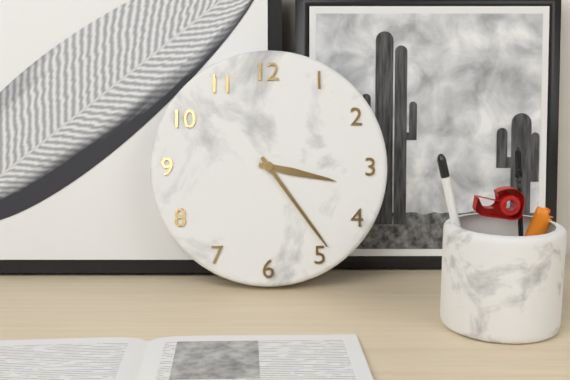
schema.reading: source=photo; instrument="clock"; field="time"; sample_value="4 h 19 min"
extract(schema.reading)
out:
3 h 24 min
